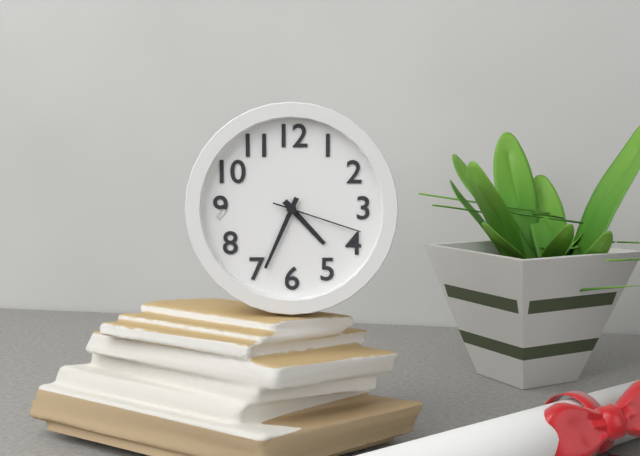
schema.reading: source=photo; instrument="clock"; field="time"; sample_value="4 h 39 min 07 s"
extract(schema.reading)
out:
4 h 34 min 18 s
